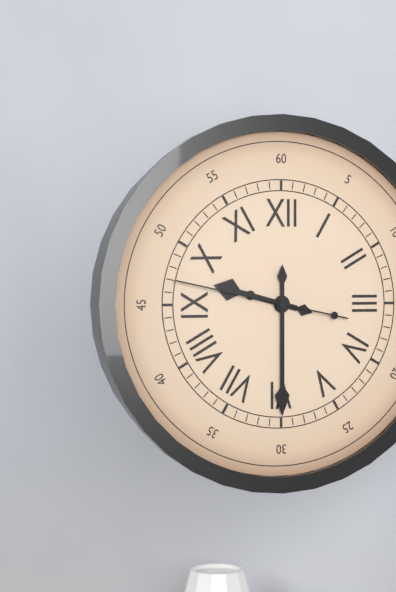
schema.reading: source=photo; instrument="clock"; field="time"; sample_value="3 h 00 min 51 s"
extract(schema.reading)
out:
9 h 30 min 47 s
